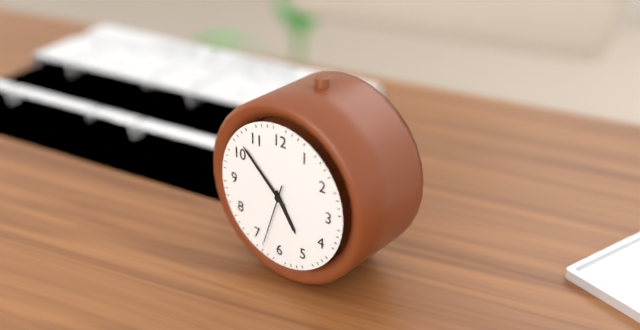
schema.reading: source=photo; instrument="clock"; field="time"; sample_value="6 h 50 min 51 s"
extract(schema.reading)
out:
4 h 52 min 33 s
